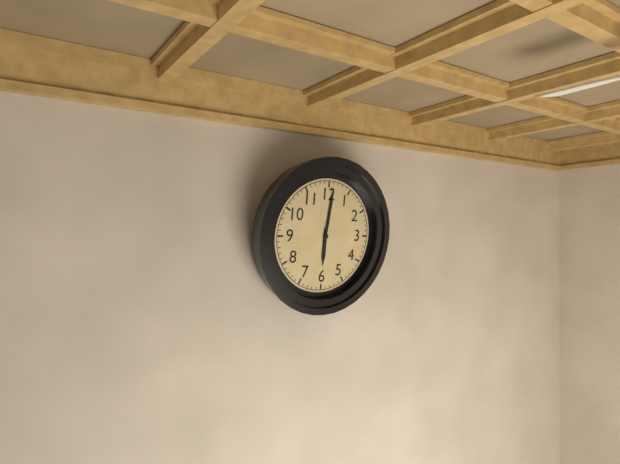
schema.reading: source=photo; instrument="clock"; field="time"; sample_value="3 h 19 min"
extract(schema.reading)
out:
6 h 01 min
